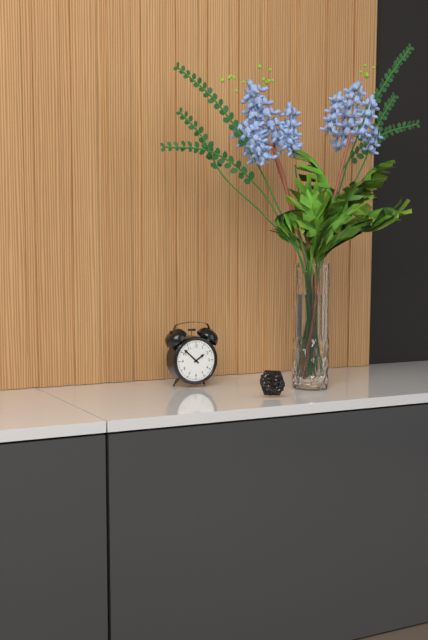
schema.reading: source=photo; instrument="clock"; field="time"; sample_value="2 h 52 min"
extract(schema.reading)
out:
1 h 52 min
